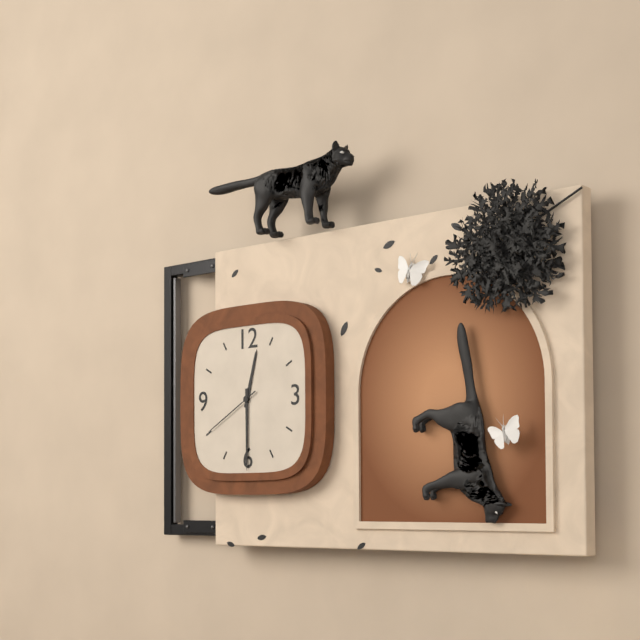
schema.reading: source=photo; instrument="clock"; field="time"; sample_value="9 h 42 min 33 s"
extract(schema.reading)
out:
12 h 30 min 40 s
